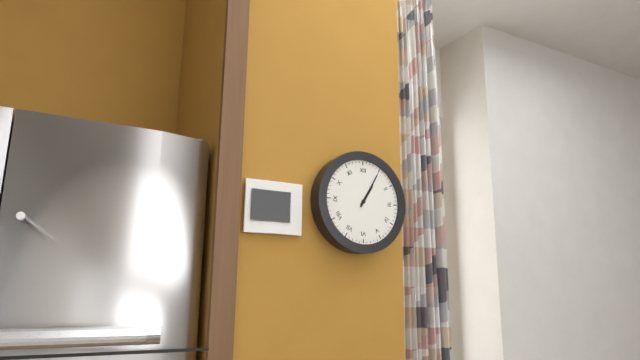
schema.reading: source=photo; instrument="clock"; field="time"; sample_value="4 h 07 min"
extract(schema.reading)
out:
1 h 05 min
